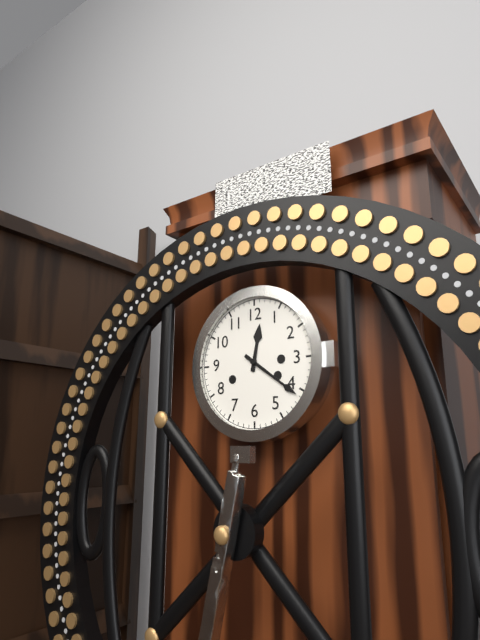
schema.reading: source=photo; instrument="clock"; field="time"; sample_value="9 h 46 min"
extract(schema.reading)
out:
12 h 21 min
